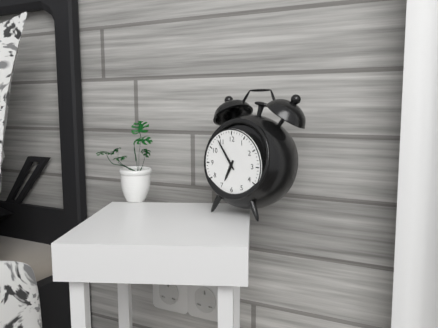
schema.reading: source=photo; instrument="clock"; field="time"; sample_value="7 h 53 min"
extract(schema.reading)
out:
6 h 54 min
